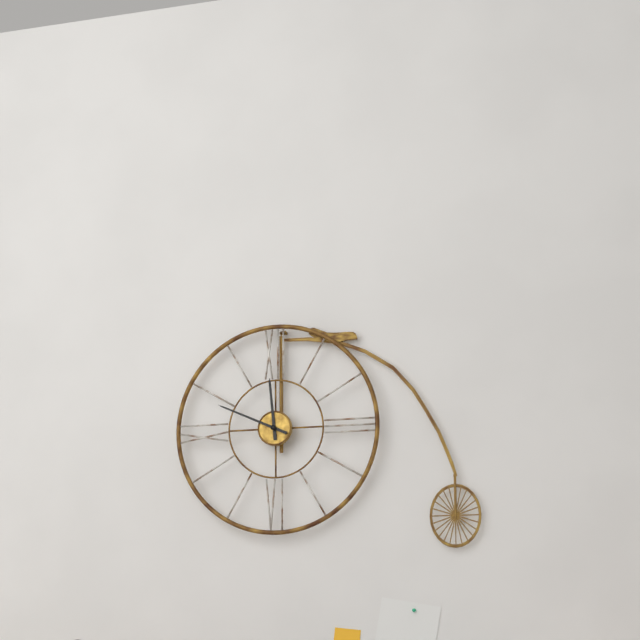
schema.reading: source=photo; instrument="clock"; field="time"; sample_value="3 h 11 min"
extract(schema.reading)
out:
11 h 49 min
